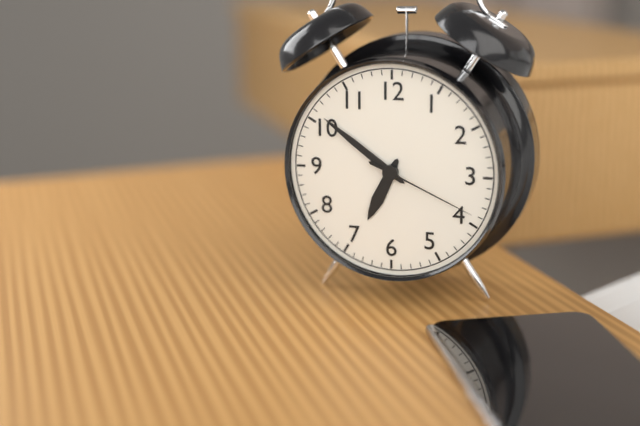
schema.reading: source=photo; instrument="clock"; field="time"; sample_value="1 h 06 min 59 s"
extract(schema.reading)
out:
6 h 51 min 19 s
